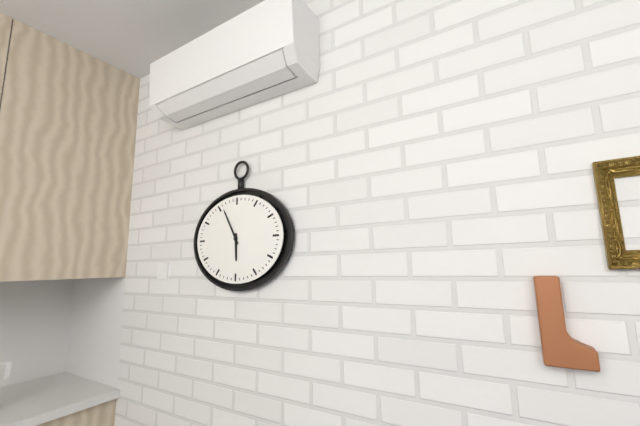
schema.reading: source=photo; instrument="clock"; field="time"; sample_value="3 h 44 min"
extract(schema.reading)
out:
5 h 55 min
